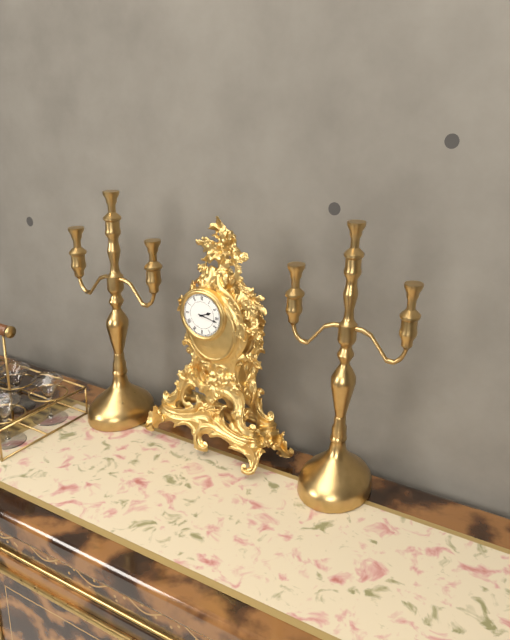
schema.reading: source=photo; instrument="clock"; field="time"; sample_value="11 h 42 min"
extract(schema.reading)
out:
2 h 17 min
